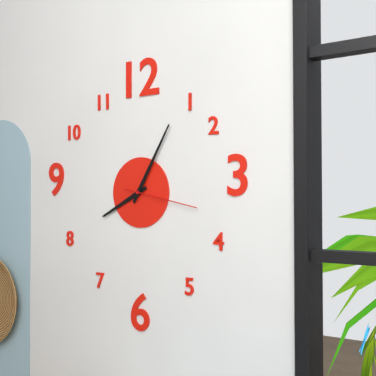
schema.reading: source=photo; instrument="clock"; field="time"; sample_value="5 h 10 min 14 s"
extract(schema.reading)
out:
8 h 05 min 17 s
